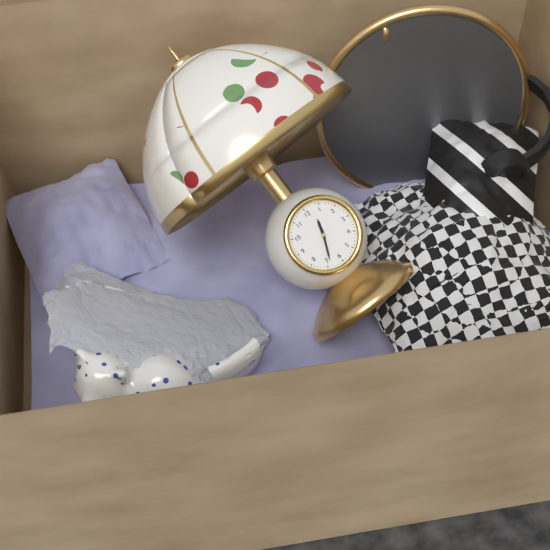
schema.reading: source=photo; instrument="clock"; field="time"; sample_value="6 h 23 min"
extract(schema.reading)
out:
12 h 34 min
